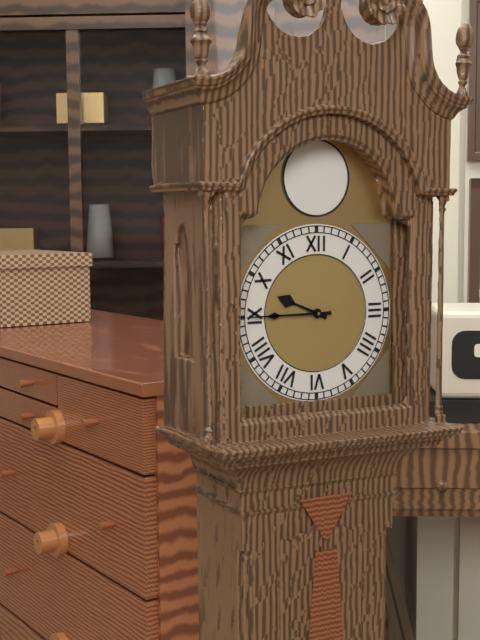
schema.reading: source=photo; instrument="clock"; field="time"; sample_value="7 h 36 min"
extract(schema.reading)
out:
9 h 45 min
